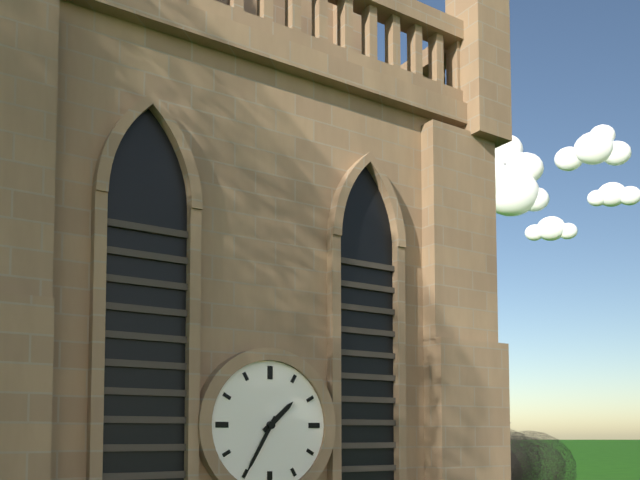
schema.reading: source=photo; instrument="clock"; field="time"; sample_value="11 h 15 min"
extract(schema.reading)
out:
1 h 35 min
